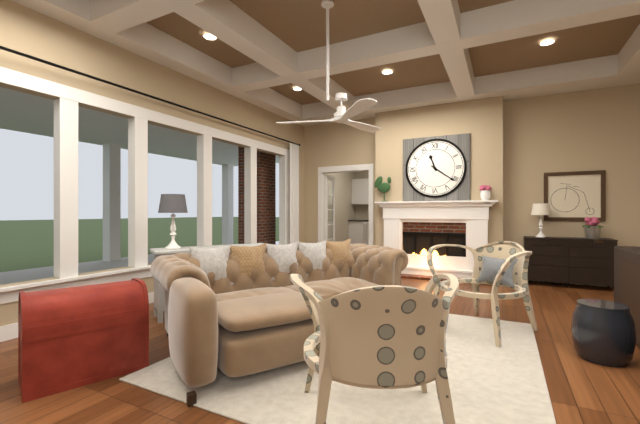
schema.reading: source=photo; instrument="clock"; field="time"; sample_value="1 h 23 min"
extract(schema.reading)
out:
11 h 21 min
